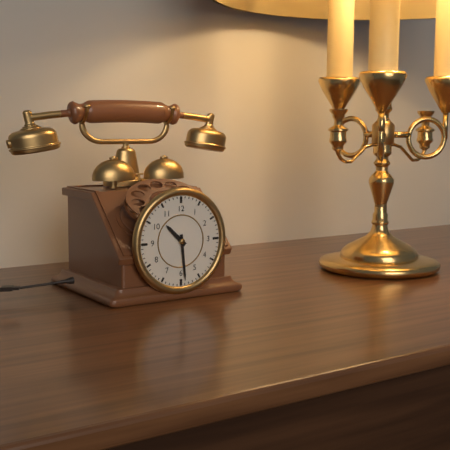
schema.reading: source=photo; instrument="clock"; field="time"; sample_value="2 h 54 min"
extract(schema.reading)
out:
10 h 29 min
